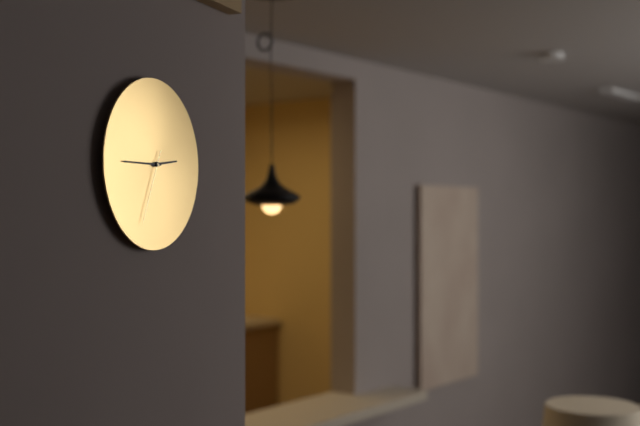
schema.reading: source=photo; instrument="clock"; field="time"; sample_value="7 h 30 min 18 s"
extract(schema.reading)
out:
2 h 45 min 34 s
